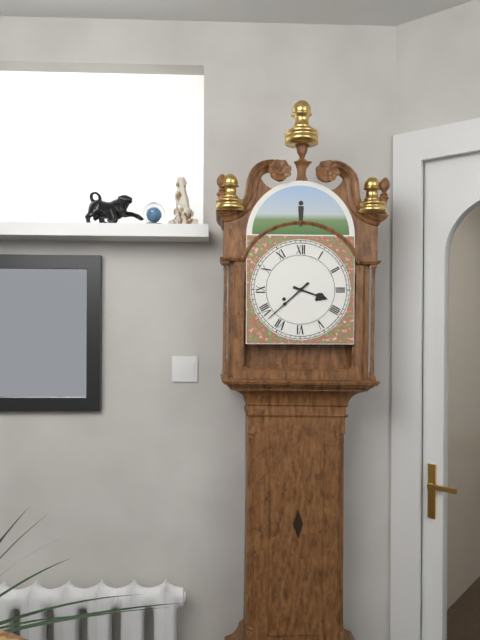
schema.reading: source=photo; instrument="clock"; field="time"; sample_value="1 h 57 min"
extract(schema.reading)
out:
3 h 38 min
